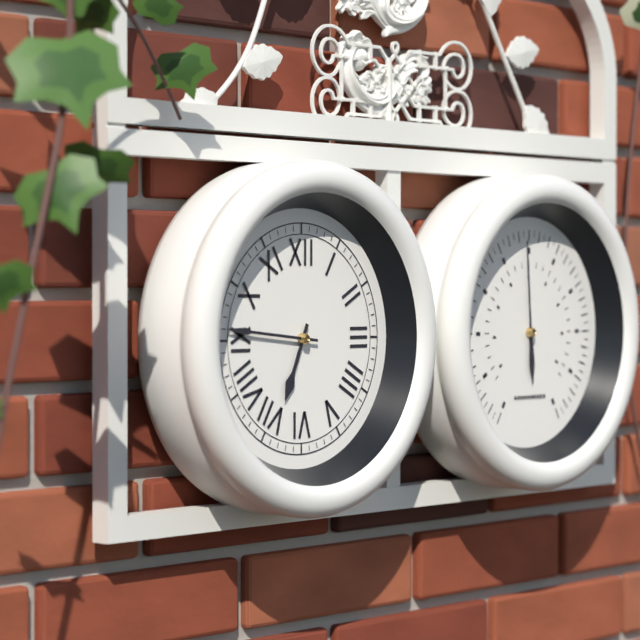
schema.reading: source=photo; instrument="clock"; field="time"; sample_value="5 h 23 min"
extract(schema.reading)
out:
6 h 46 min
